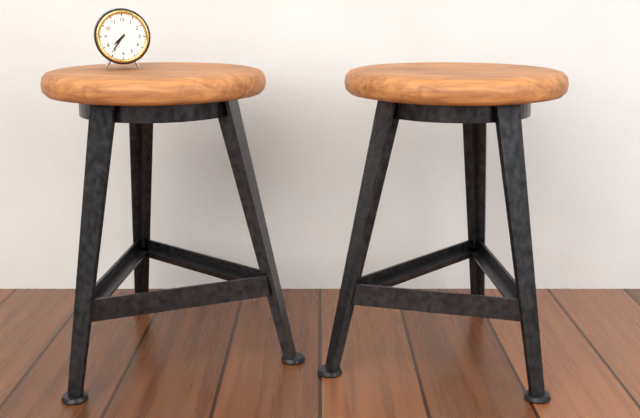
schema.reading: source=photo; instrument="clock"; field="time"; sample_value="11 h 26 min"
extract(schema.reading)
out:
7 h 36 min
